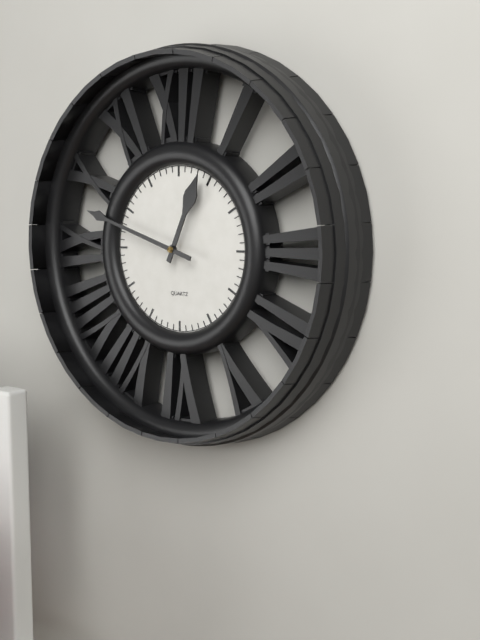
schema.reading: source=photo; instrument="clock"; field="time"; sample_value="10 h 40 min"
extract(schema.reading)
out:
12 h 48 min
